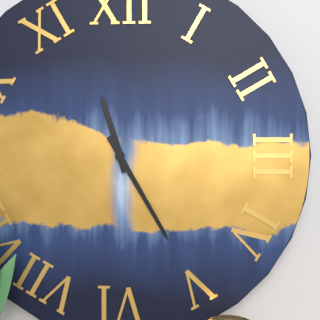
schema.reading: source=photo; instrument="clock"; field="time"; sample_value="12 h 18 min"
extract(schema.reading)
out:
11 h 25 min
